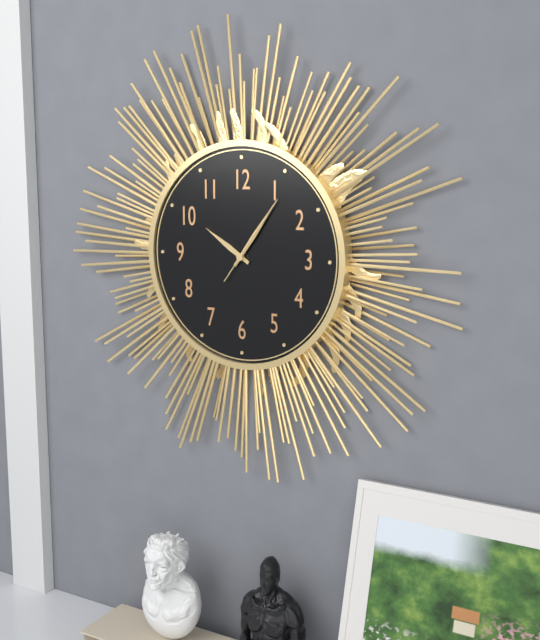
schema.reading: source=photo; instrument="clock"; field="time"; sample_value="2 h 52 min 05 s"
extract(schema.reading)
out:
10 h 06 min 06 s
